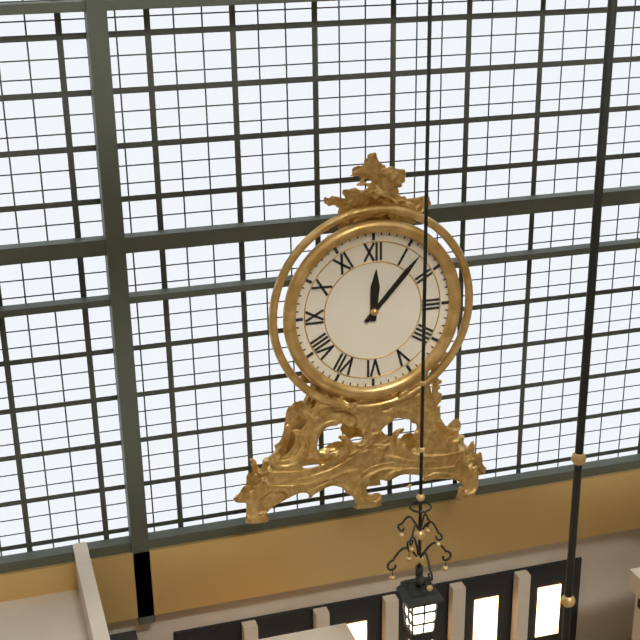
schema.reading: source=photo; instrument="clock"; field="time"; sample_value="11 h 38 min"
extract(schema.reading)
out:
12 h 07 min
